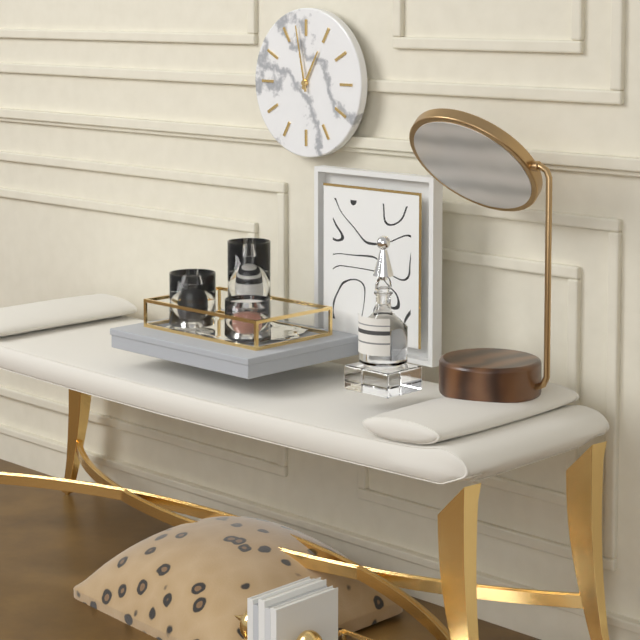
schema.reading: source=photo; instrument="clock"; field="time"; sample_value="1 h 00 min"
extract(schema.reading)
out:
12 h 58 min
